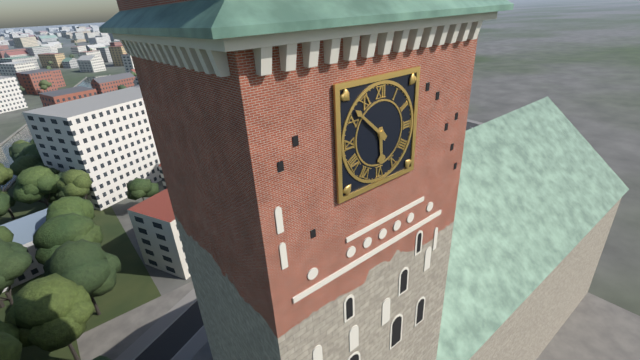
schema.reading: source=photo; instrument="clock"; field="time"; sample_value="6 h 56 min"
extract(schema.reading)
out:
5 h 52 min
